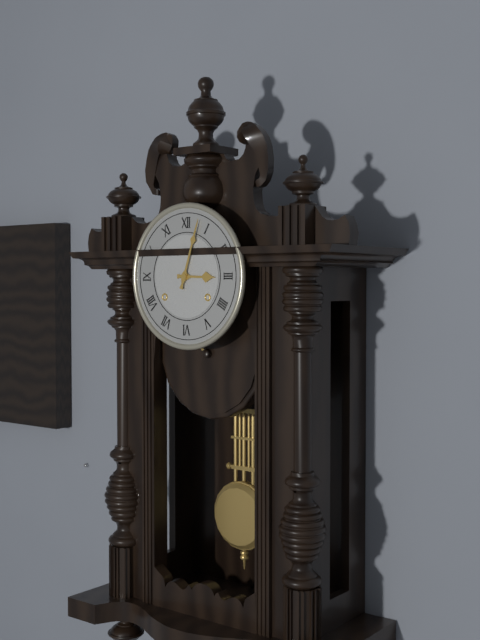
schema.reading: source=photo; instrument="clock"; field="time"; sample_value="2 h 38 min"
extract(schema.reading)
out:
3 h 03 min
